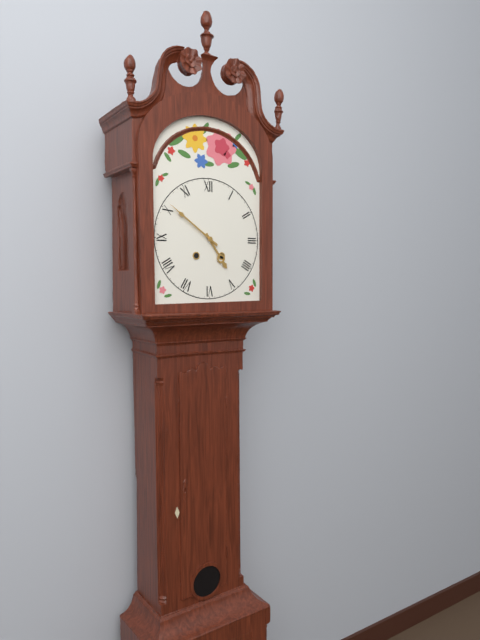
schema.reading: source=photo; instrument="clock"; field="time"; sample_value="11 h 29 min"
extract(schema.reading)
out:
4 h 51 min
